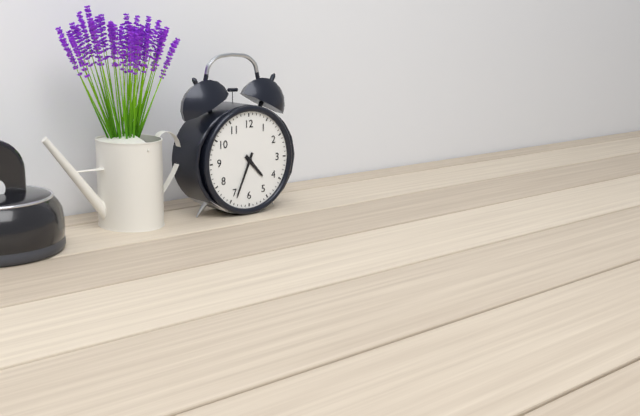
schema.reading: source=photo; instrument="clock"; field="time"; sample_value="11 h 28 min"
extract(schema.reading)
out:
4 h 34 min
